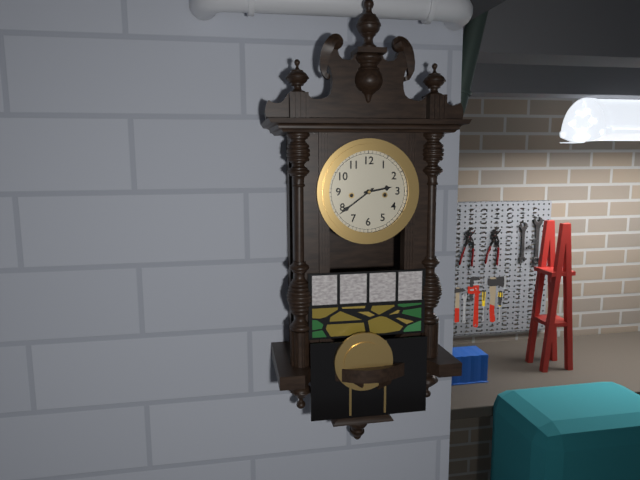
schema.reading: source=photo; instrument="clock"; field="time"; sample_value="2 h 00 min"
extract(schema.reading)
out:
2 h 39 min
